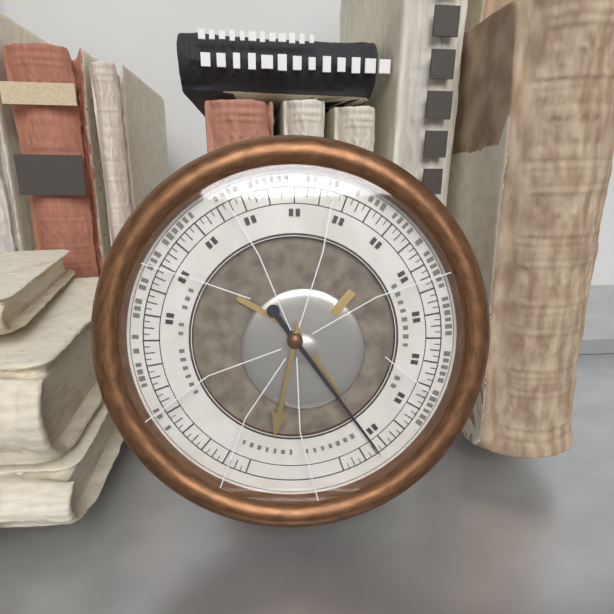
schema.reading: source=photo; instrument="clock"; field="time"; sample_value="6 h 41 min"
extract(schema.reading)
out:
6 h 24 min
